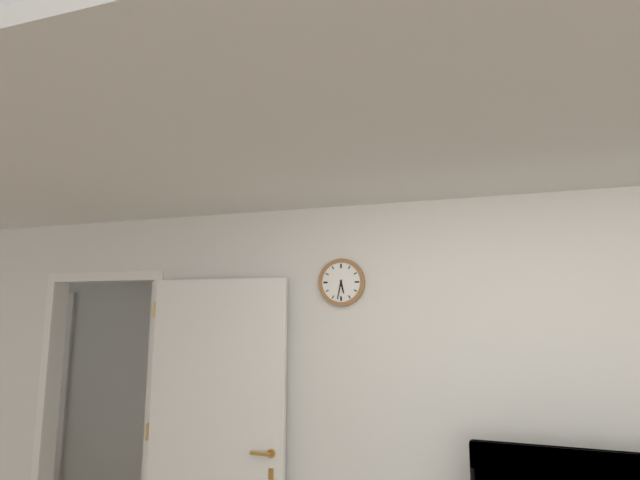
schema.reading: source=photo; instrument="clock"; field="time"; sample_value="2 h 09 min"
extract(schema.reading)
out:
5 h 32 min
